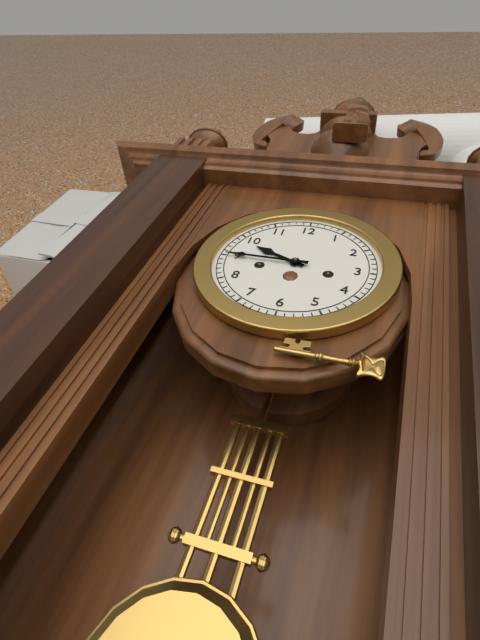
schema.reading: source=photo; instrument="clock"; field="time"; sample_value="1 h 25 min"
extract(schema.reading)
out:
9 h 45 min
